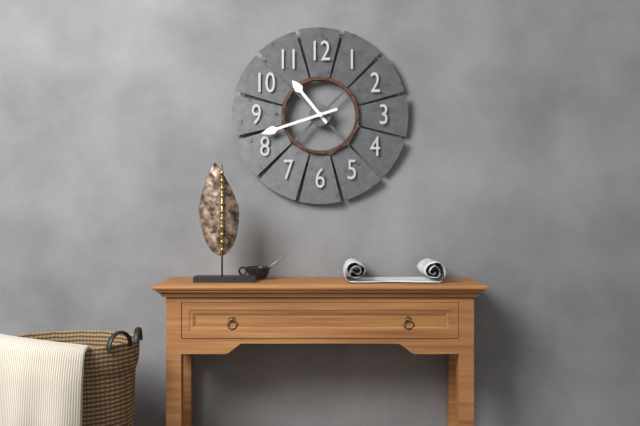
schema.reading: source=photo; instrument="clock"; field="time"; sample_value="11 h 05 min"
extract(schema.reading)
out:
10 h 42 min
